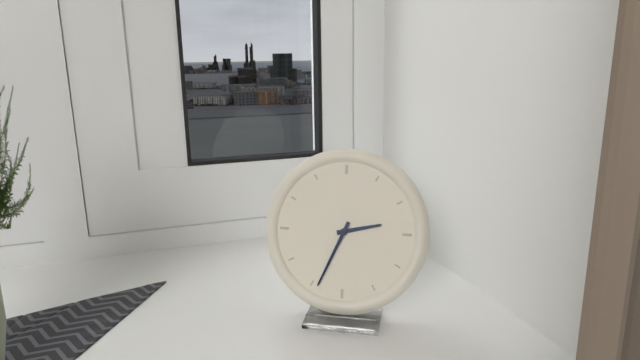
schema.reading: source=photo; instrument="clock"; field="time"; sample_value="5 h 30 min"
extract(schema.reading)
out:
2 h 34 min
